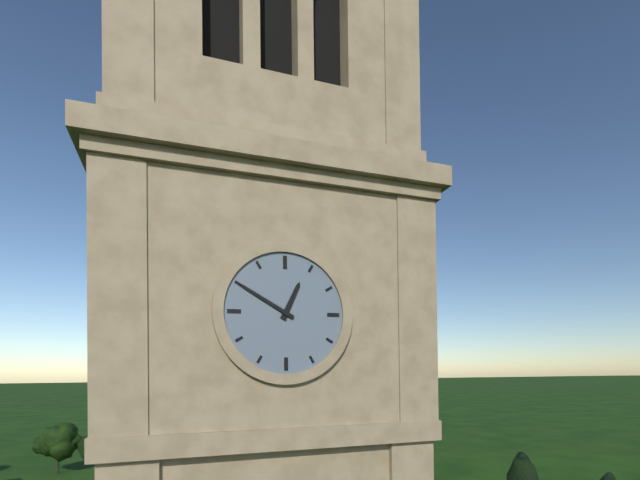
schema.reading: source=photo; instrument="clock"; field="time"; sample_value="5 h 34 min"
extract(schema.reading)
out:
12 h 50 min
